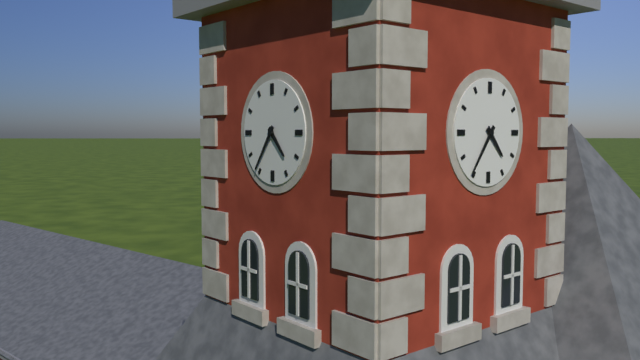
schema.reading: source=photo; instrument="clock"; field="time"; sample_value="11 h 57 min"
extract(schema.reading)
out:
4 h 36 min
